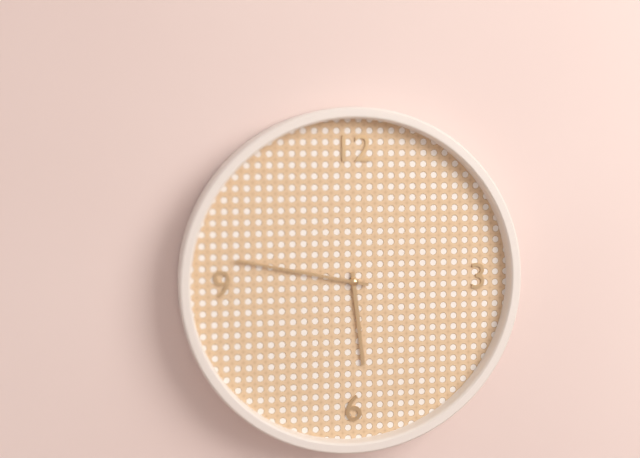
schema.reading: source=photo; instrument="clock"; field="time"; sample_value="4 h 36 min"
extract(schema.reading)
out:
5 h 47 min
